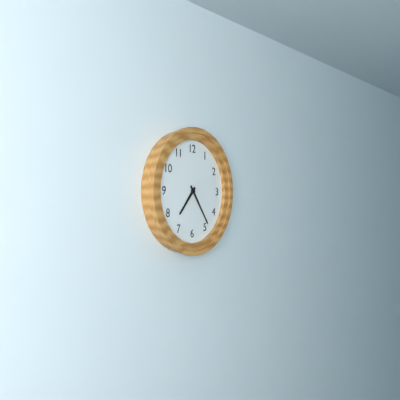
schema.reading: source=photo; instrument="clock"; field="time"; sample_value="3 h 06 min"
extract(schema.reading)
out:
7 h 24 min
